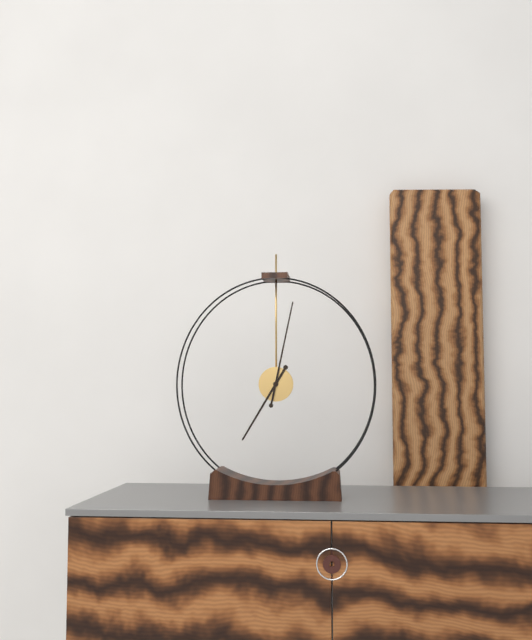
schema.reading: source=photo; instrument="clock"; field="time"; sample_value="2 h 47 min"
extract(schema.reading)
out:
7 h 02 min
